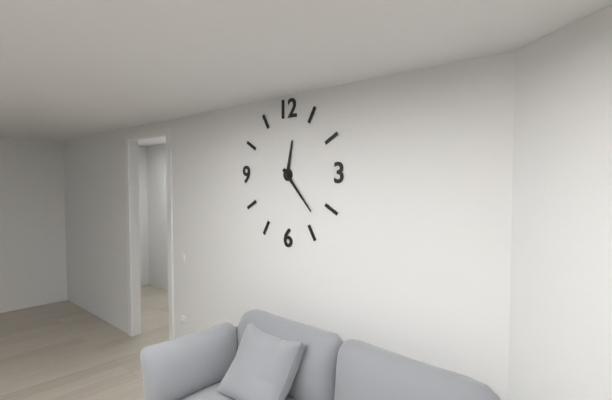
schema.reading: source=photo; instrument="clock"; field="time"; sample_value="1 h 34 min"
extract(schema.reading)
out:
12 h 23 min
